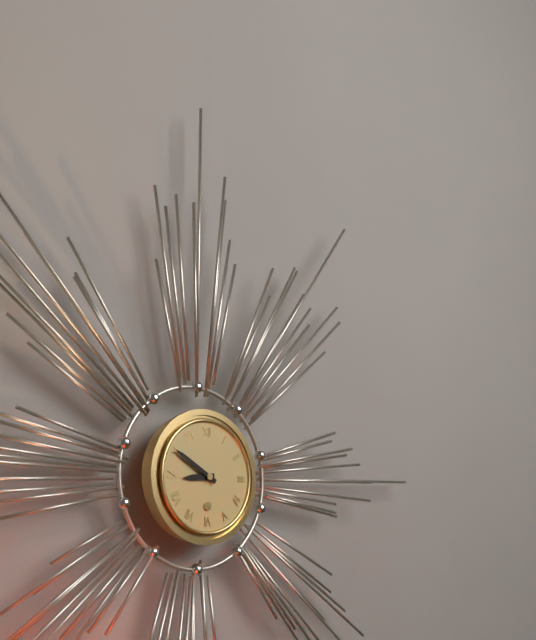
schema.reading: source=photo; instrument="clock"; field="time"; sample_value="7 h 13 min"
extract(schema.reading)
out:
8 h 50 min
